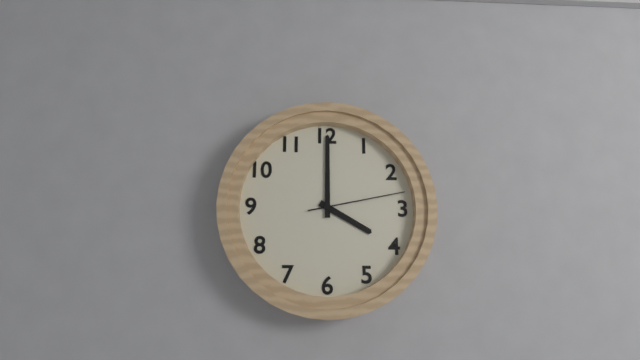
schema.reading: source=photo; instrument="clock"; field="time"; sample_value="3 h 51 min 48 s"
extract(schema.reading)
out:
4 h 00 min 13 s
